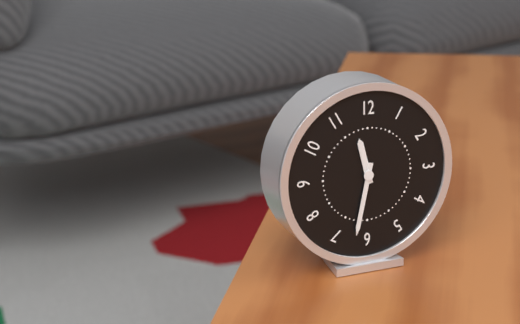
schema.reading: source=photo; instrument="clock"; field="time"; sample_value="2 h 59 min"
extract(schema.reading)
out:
11 h 32 min
